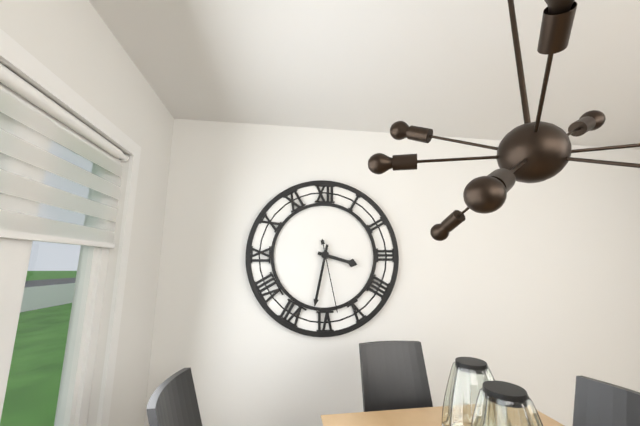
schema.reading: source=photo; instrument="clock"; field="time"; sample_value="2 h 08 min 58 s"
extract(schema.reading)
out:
3 h 32 min 28 s
